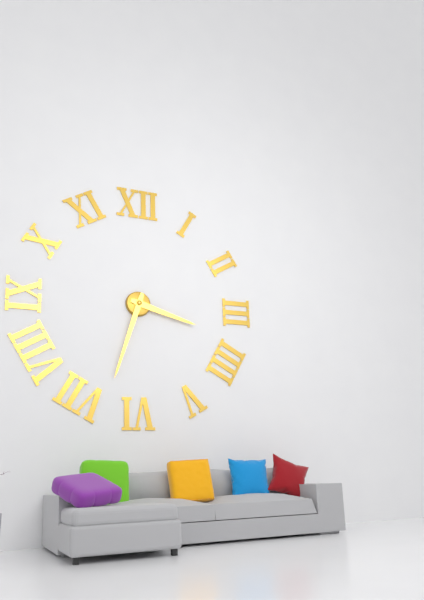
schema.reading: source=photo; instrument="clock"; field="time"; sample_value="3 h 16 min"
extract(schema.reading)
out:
3 h 33 min
